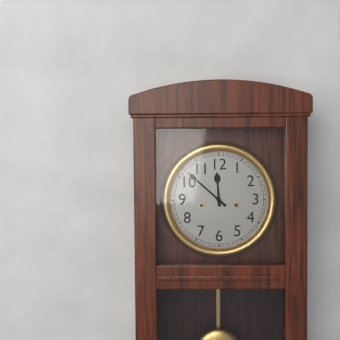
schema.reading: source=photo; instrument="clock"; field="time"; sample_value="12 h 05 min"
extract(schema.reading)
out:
11 h 52 min
